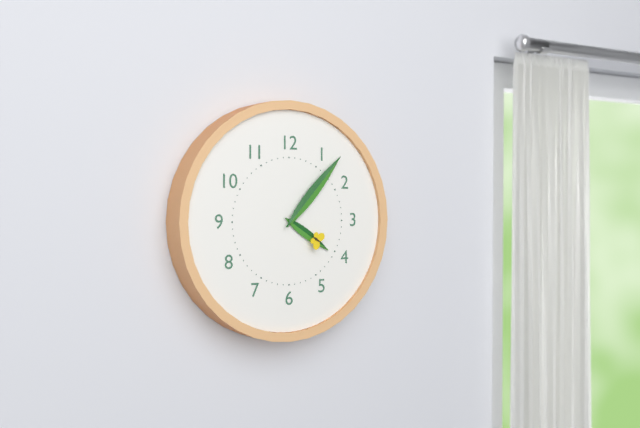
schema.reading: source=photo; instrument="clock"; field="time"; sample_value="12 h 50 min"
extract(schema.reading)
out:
4 h 07 min
